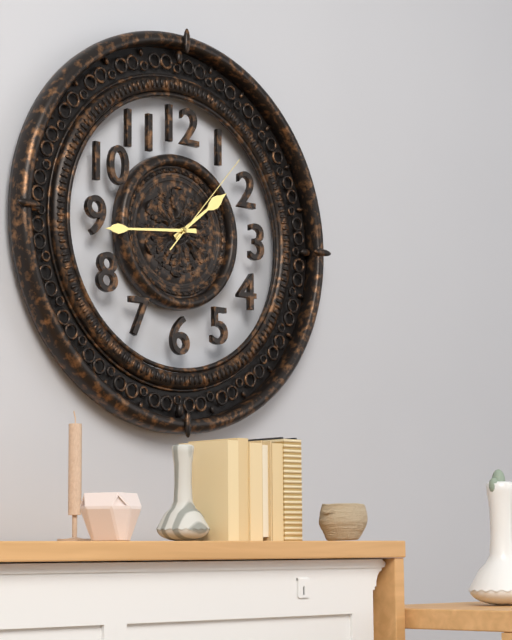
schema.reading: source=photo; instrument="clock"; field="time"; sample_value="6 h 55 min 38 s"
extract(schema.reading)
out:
1 h 44 min 07 s
